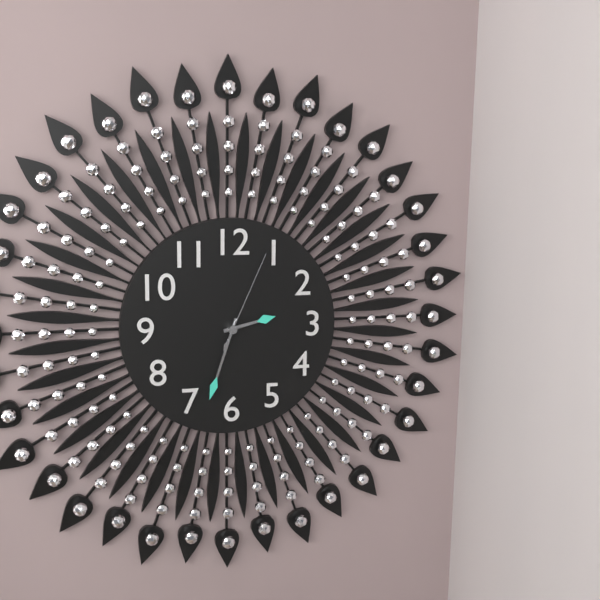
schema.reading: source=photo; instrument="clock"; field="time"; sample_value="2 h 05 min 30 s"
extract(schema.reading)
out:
2 h 33 min 04 s
